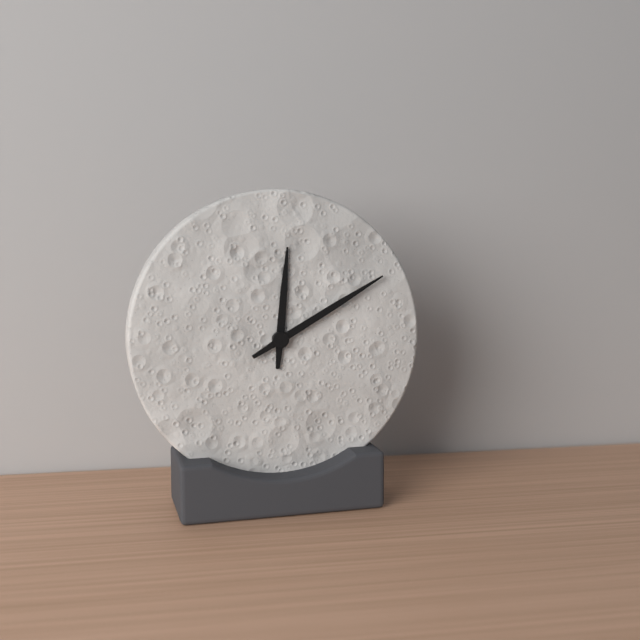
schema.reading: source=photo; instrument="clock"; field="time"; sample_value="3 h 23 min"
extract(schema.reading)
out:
12 h 10 min
